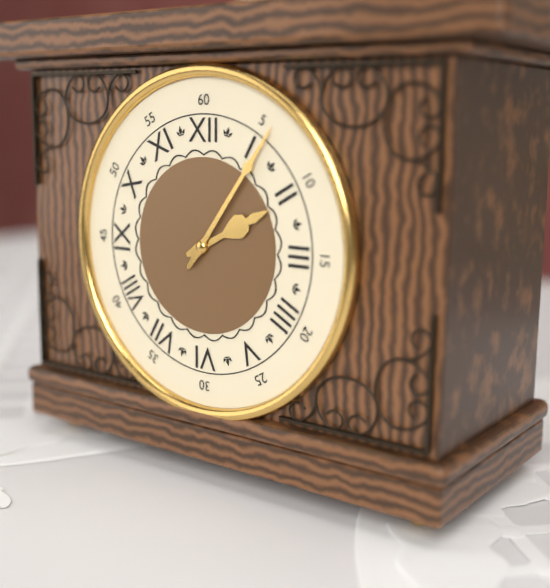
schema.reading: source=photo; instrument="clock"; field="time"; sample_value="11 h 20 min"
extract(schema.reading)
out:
2 h 06 min
